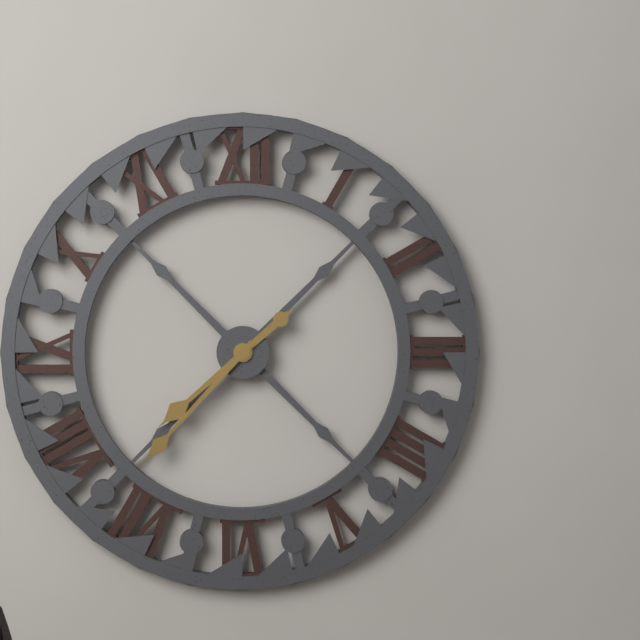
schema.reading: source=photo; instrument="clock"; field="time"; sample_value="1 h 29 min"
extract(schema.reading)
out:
7 h 37 min
